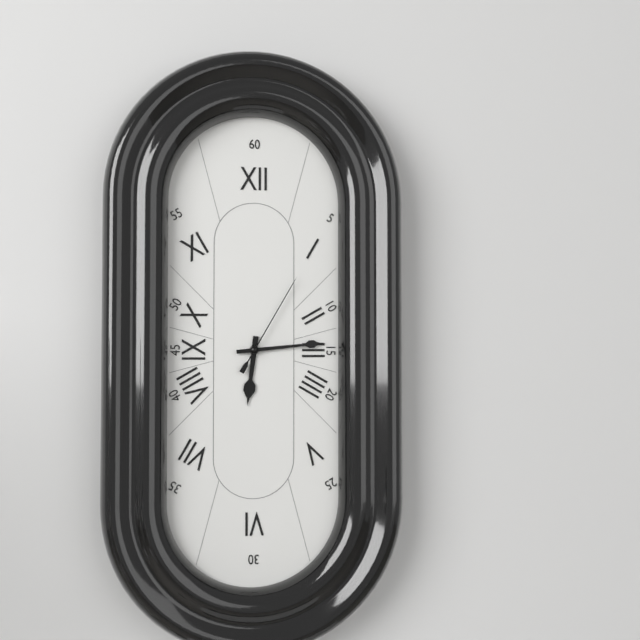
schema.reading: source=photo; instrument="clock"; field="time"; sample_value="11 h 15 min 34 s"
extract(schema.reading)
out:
6 h 14 min 05 s
